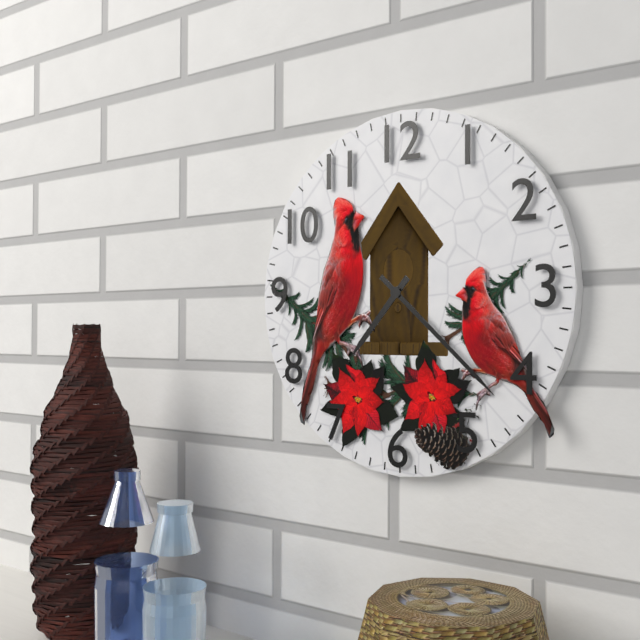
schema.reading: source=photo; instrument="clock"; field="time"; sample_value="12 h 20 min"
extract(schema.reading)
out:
7 h 22 min
